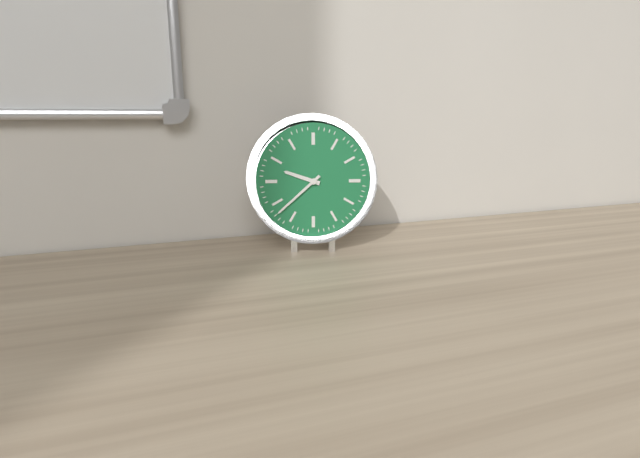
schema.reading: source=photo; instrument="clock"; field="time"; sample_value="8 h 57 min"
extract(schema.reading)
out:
9 h 38 min
